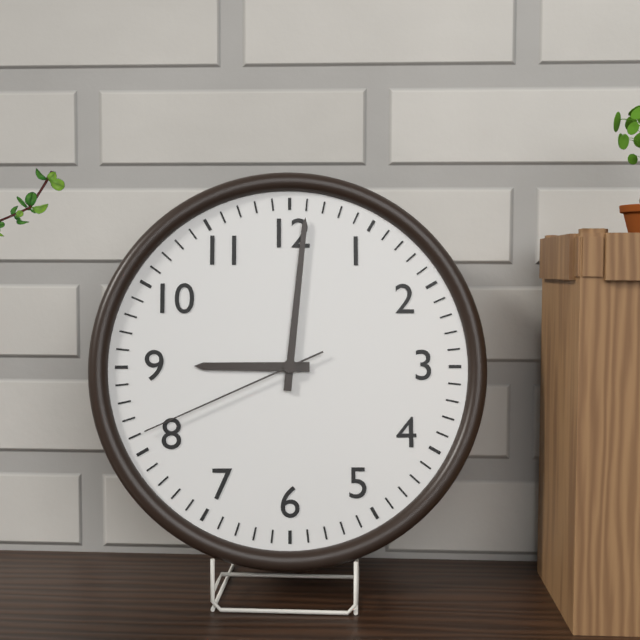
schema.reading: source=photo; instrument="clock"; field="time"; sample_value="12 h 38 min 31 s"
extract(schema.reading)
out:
9 h 01 min 41 s
